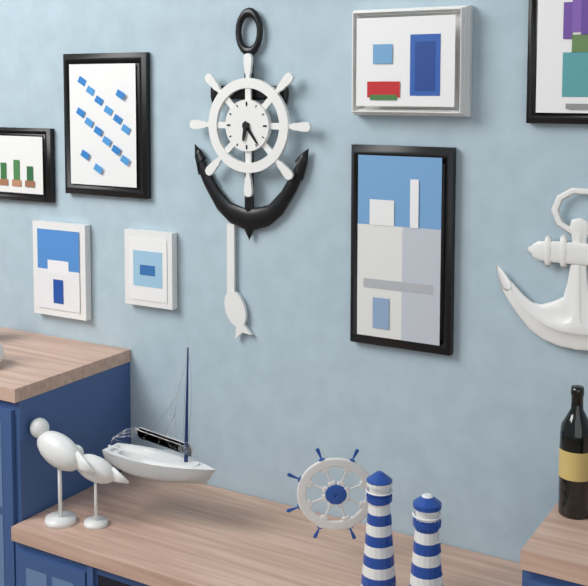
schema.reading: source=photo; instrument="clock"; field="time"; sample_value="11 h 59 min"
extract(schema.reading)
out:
6 h 24 min
